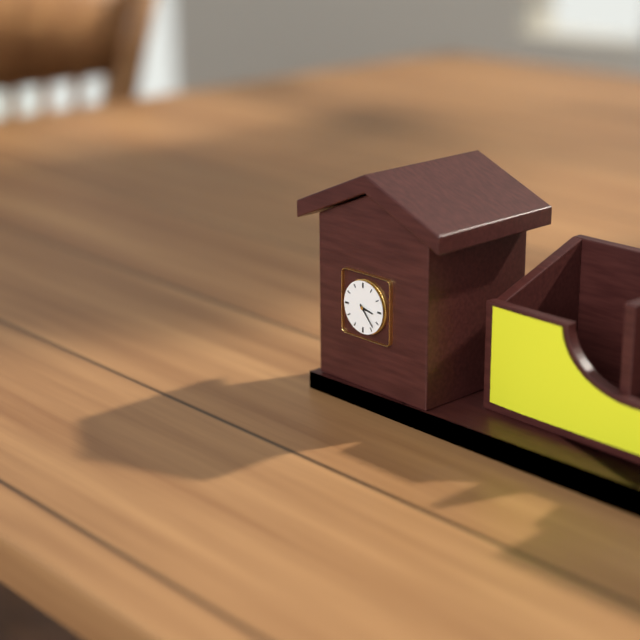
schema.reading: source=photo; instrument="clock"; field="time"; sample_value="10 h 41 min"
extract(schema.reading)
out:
3 h 23 min
